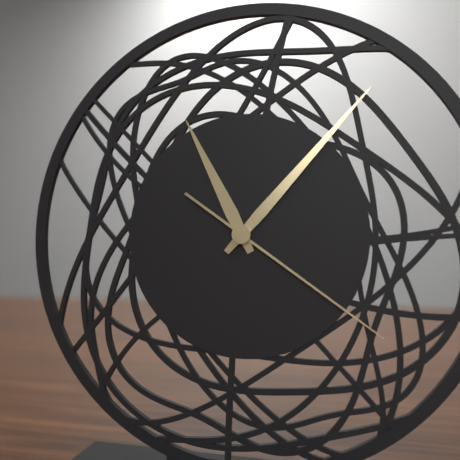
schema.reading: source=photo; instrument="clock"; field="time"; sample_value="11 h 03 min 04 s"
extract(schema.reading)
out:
11 h 07 min 21 s
